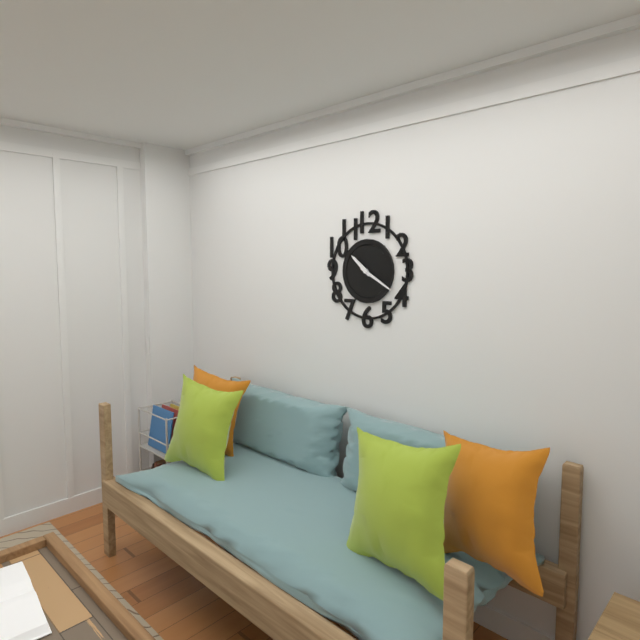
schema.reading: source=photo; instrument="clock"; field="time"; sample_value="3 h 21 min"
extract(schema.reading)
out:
10 h 20 min
